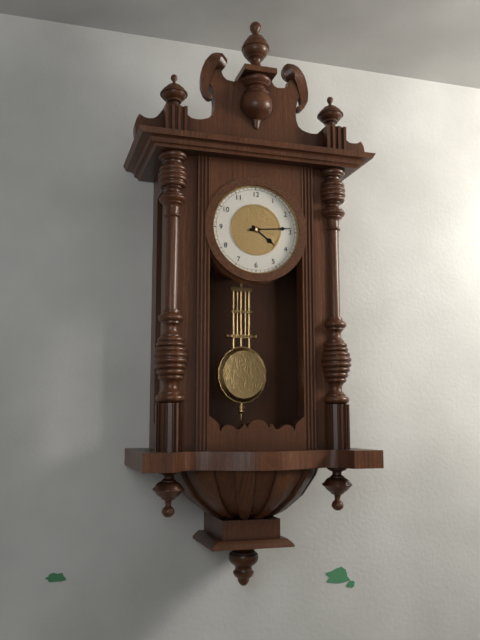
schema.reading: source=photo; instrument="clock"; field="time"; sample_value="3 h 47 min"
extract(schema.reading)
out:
4 h 14 min
